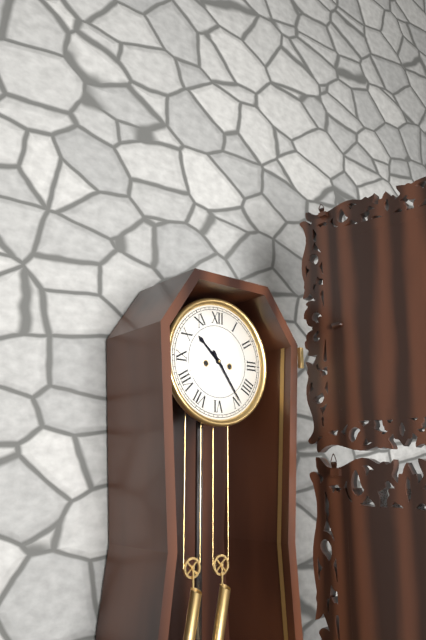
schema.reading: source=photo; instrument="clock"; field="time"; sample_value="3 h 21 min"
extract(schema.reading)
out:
10 h 24 min
